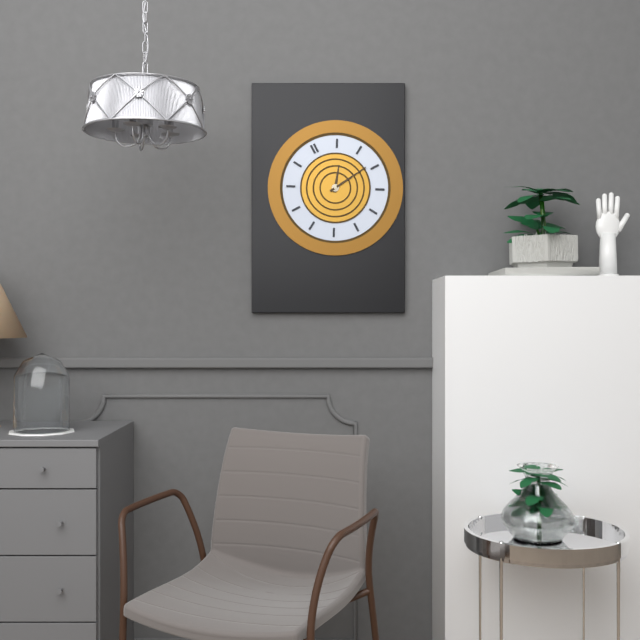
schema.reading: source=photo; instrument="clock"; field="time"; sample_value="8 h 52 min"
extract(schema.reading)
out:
1 h 14 min
